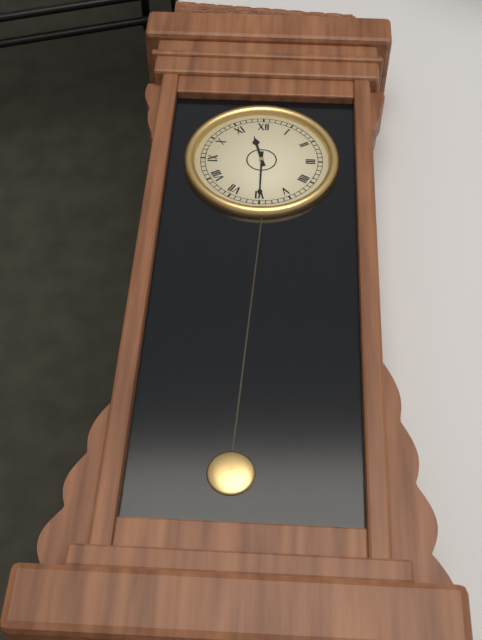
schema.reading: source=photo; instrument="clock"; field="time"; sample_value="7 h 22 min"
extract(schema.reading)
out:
11 h 30 min
